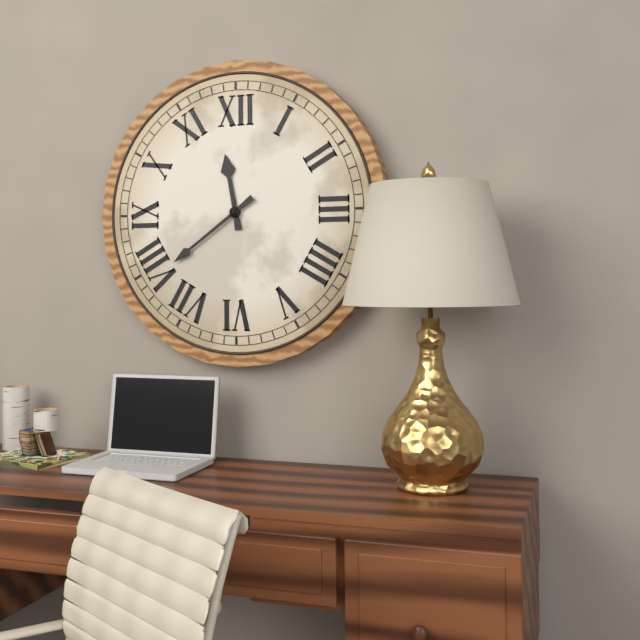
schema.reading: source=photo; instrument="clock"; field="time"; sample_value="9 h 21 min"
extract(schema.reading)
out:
11 h 39 min
